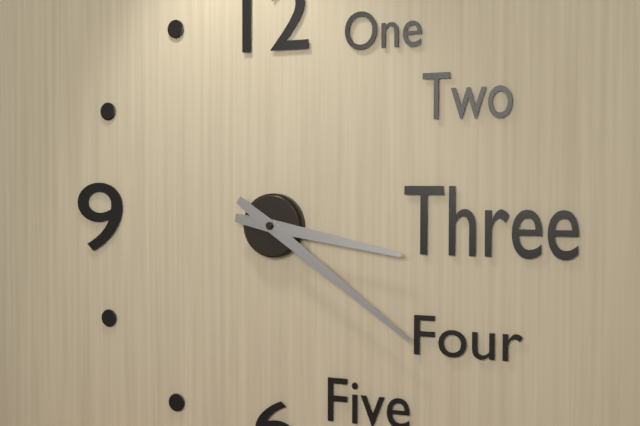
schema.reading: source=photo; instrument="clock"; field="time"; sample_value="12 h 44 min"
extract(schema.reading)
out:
3 h 21 min
